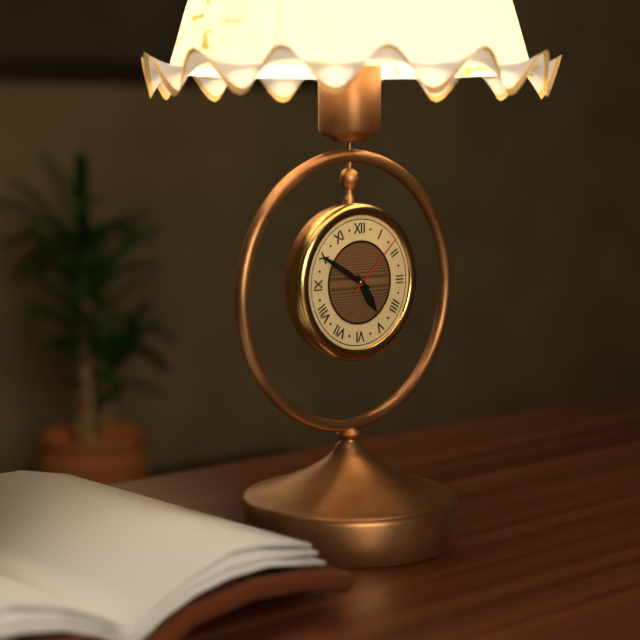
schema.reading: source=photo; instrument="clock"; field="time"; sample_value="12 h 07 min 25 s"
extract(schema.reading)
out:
4 h 50 min 08 s
